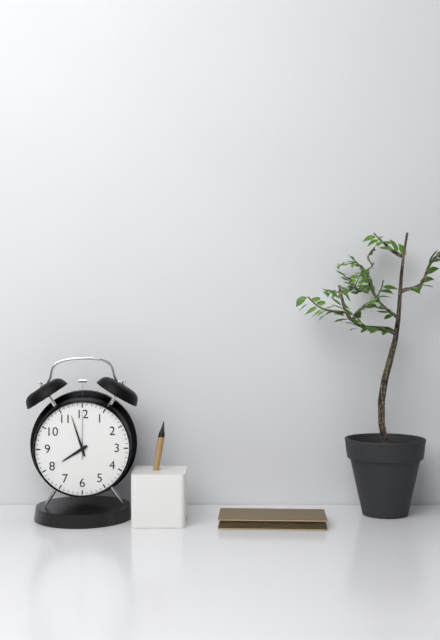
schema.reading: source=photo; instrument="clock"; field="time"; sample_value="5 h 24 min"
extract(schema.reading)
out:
7 h 57 min
